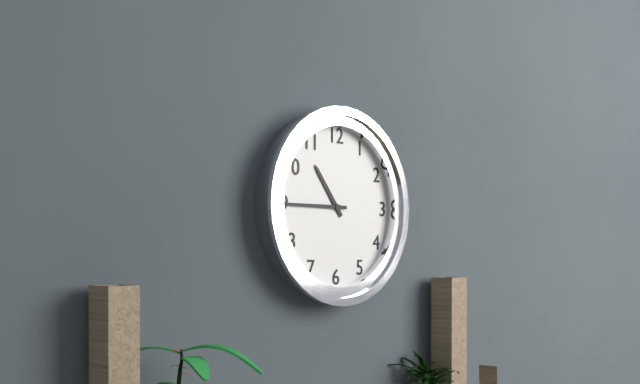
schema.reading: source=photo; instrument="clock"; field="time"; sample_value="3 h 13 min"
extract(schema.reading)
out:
10 h 45 min
